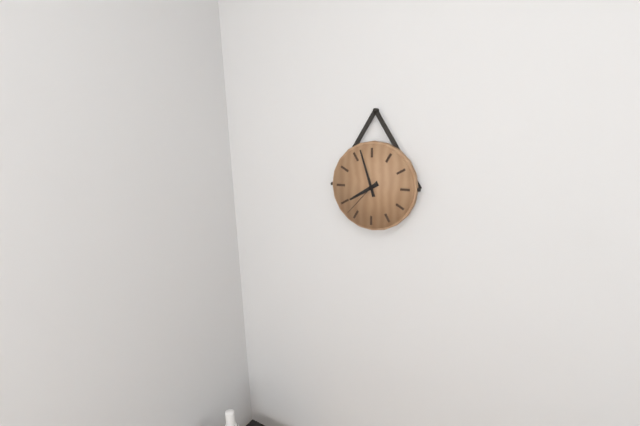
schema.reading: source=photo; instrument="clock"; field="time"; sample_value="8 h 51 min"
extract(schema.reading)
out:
7 h 57 min
